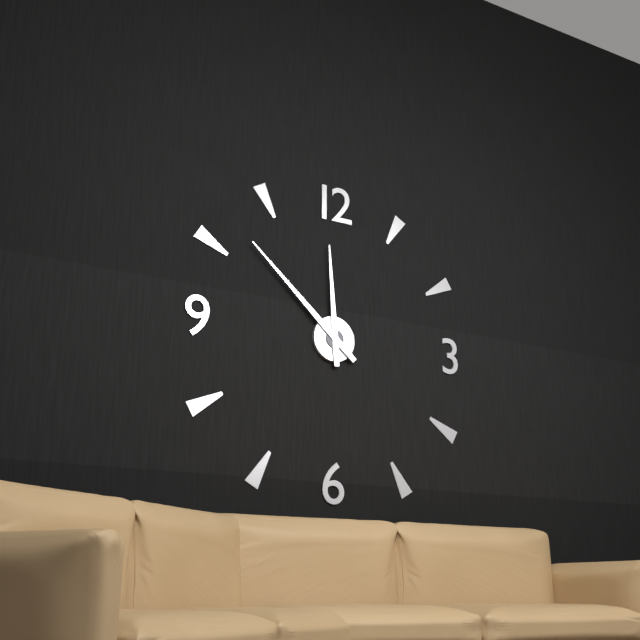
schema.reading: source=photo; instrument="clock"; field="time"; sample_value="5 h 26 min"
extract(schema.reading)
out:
11 h 52 min
